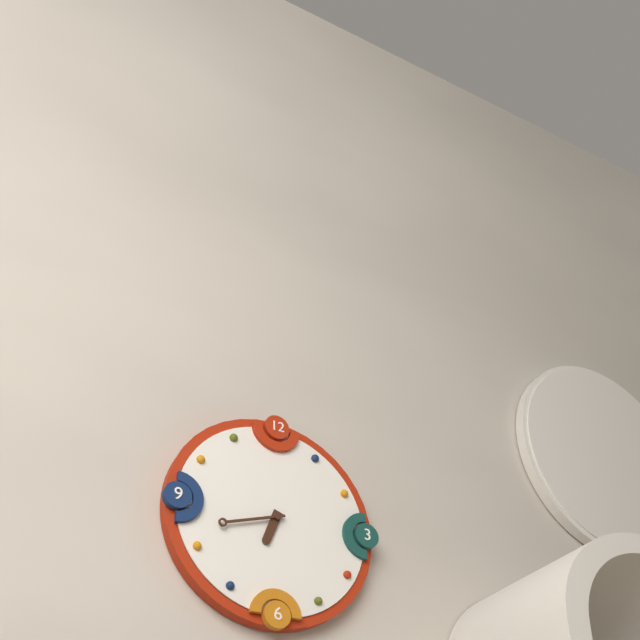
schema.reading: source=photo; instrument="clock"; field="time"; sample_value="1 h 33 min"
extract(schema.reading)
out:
6 h 42 min
